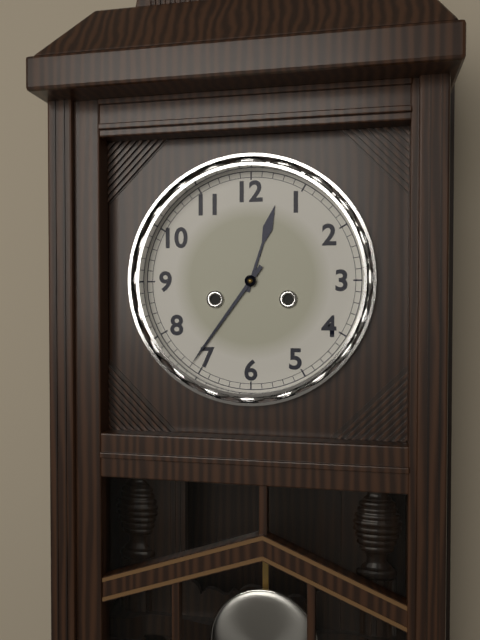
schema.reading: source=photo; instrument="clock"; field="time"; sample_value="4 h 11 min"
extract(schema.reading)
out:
12 h 36 min
